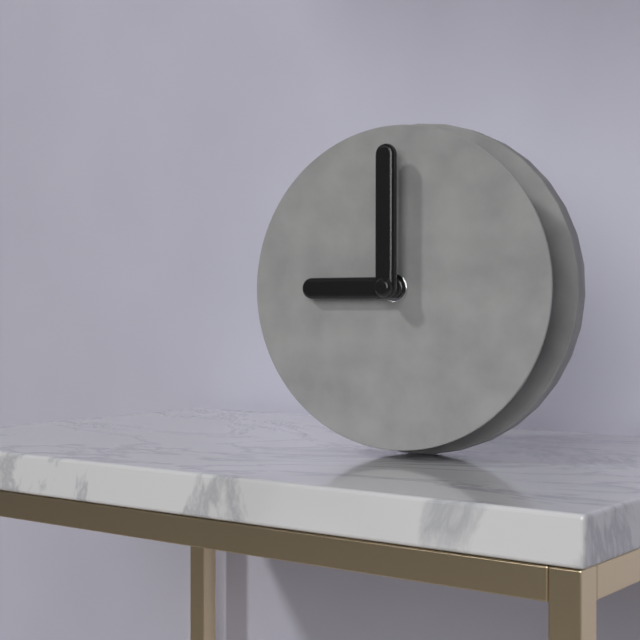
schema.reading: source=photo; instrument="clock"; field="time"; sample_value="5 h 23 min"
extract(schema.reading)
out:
9 h 00 min
